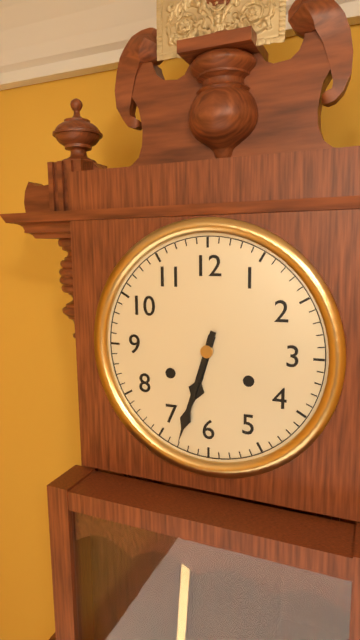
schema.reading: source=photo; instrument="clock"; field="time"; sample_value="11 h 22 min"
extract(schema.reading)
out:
6 h 33 min
